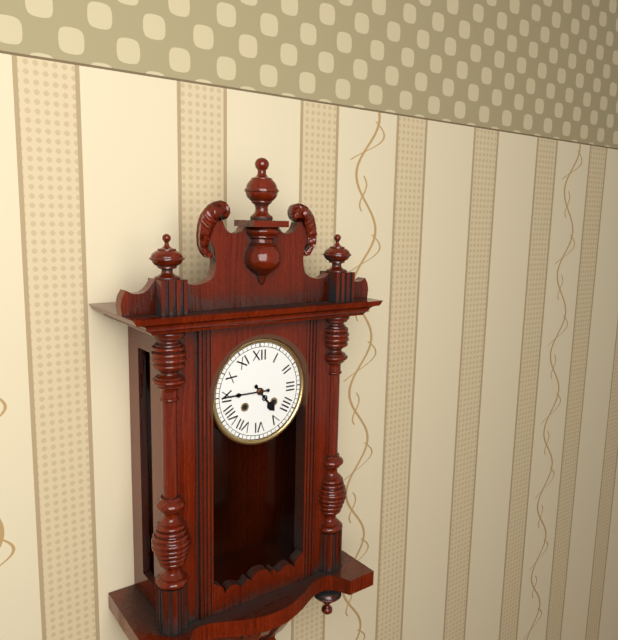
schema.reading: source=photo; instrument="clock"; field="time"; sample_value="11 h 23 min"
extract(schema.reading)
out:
4 h 45 min
